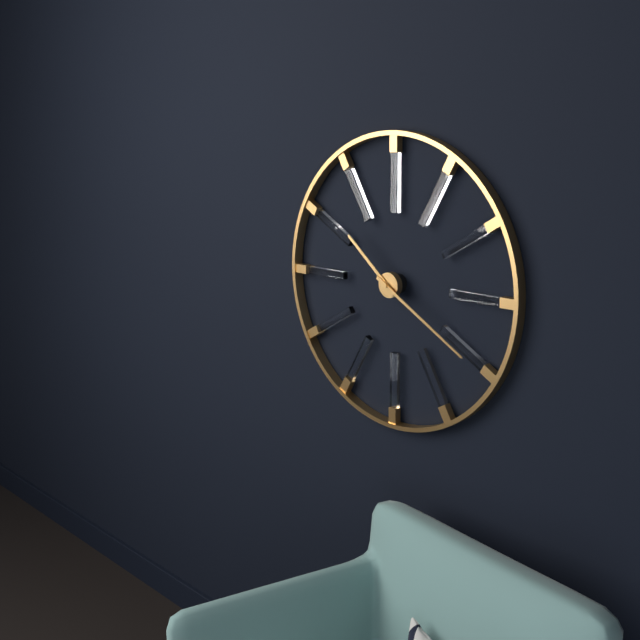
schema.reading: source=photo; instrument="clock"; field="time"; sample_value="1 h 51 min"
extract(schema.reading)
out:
10 h 20 min
